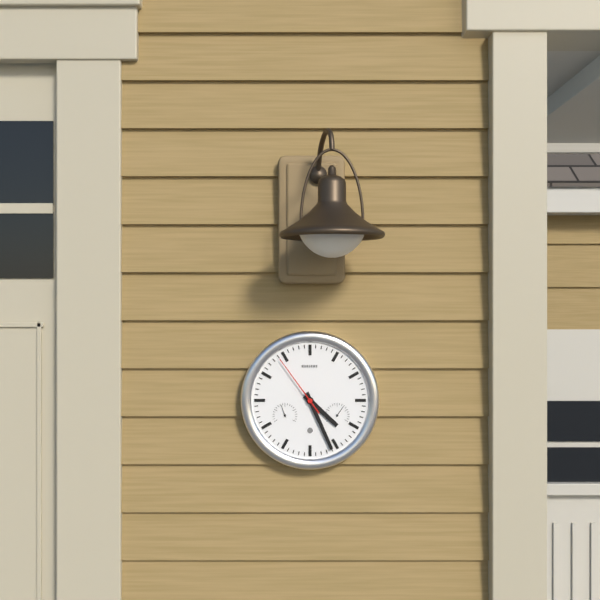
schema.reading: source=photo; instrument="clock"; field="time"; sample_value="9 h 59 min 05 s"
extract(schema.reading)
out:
4 h 26 min 54 s
